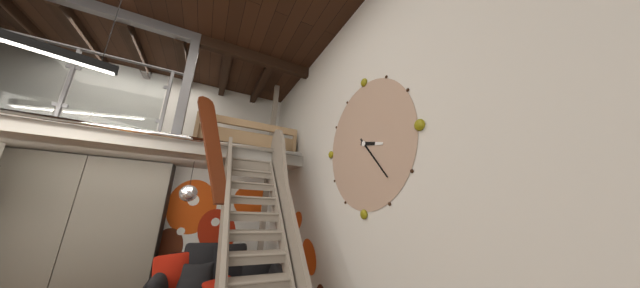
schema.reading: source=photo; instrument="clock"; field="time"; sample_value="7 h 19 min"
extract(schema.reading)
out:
3 h 23 min
